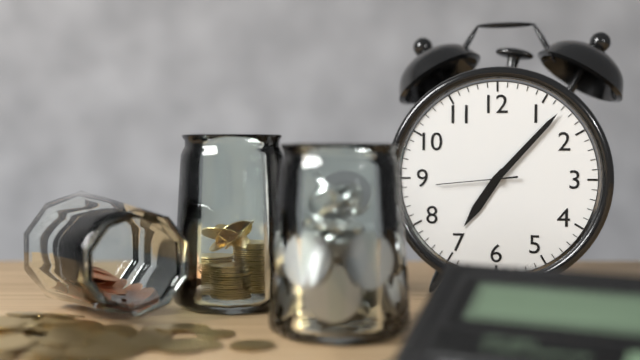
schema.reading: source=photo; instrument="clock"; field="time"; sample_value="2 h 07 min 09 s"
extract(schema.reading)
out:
7 h 07 min 44 s
